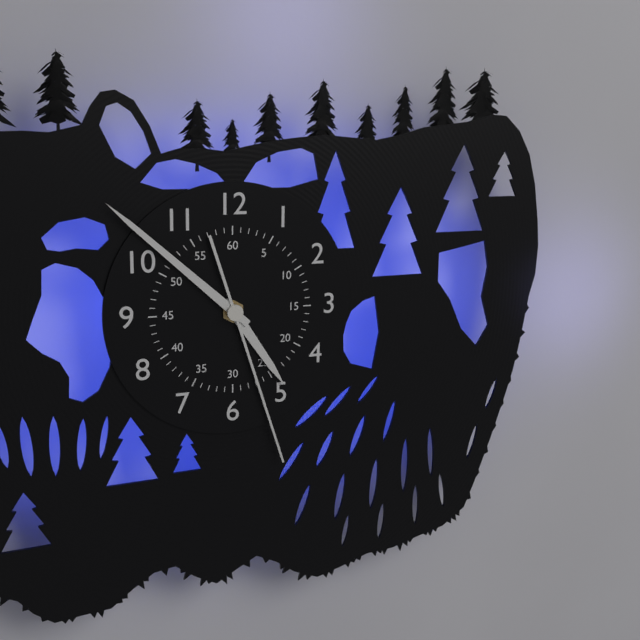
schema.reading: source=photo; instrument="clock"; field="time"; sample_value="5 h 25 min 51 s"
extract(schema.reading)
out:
4 h 52 min 27 s
